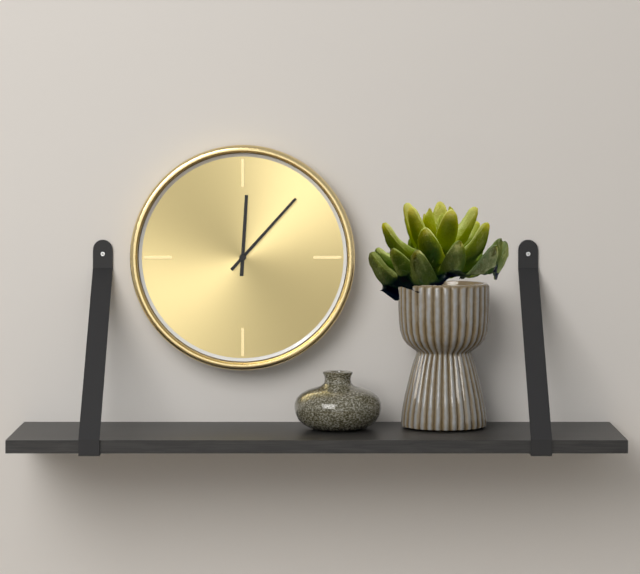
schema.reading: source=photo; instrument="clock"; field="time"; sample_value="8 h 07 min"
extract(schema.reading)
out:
12 h 07 min
